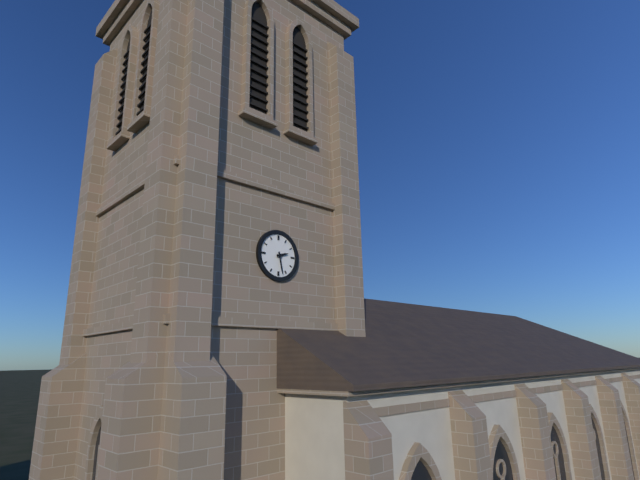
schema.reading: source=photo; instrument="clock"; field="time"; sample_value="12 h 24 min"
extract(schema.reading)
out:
2 h 28 min
